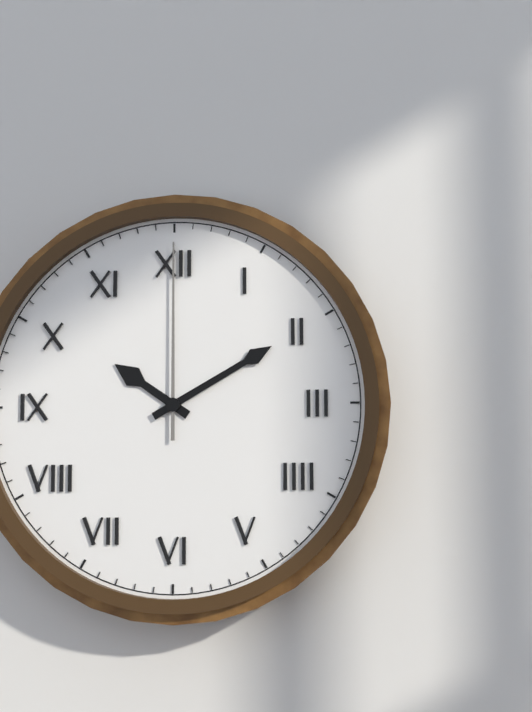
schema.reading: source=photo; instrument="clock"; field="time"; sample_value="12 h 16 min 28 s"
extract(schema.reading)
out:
10 h 10 min 00 s
